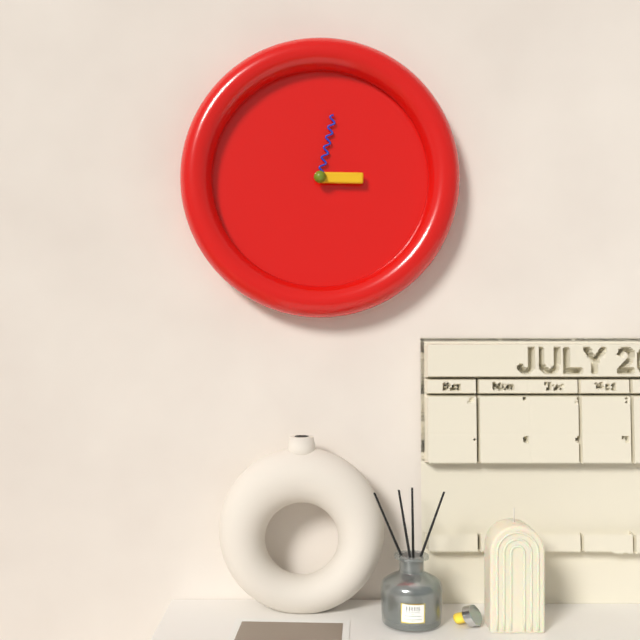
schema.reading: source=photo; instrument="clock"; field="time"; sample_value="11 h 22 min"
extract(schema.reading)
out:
3 h 02 min
